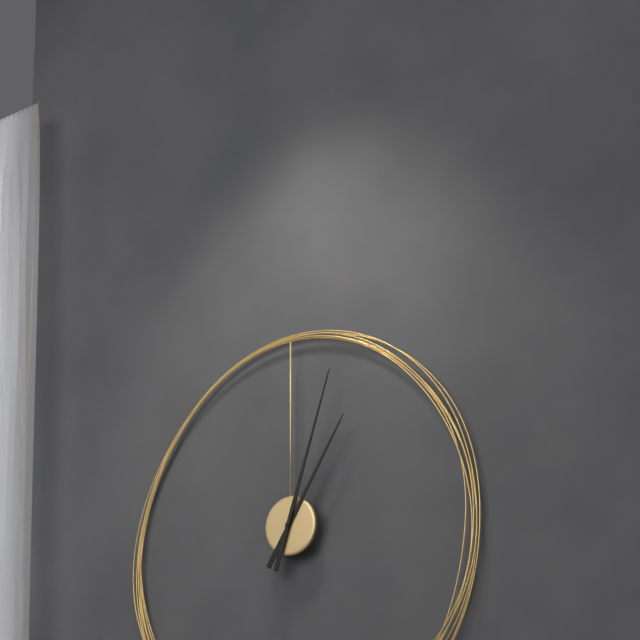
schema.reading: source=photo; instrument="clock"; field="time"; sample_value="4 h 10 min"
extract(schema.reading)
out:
1 h 03 min
